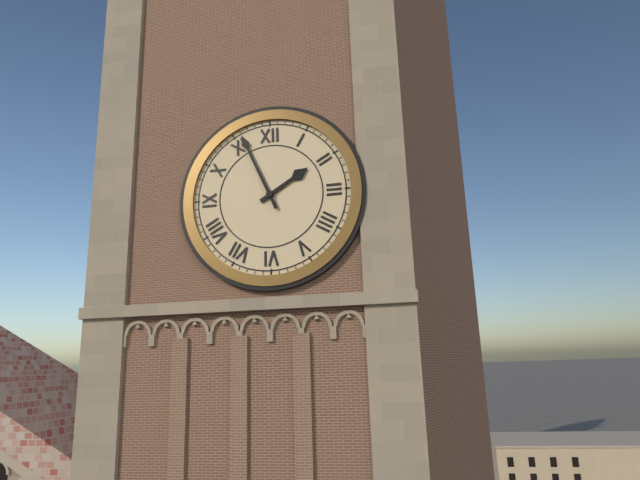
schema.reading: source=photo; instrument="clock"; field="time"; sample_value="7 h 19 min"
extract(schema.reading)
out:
1 h 56 min
